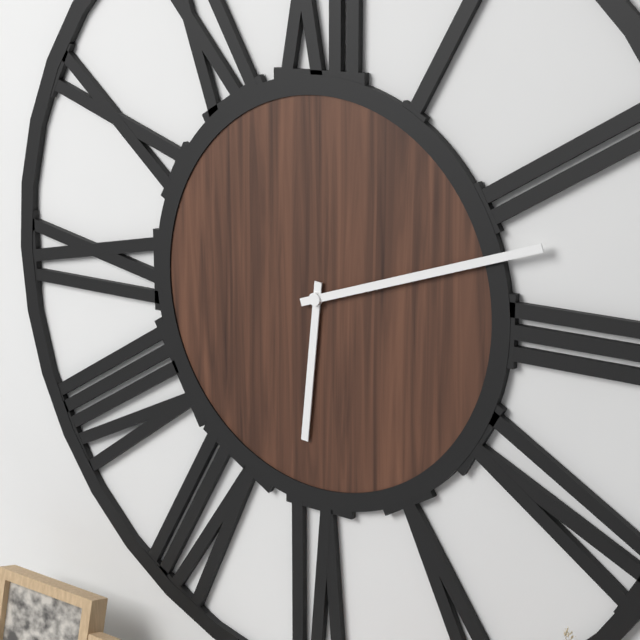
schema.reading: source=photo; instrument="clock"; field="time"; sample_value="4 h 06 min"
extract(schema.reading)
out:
6 h 12 min
